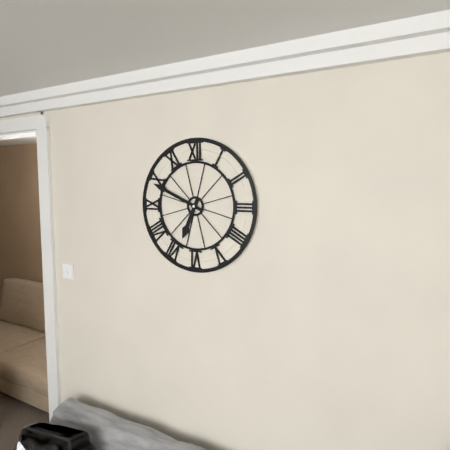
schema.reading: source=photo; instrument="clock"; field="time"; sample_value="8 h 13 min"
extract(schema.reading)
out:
6 h 49 min
